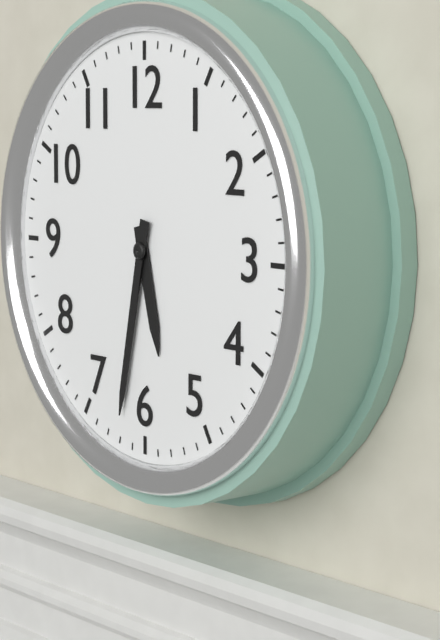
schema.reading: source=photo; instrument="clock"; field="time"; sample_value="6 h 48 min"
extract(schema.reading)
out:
5 h 32 min
